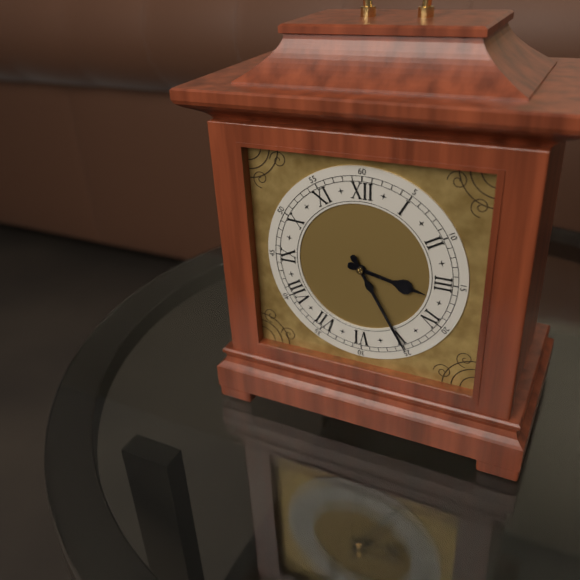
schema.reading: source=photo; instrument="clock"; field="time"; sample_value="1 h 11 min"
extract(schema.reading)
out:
3 h 25 min
